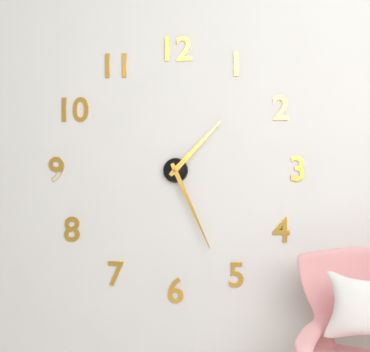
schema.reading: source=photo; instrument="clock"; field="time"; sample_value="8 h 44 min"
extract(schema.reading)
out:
1 h 26 min
